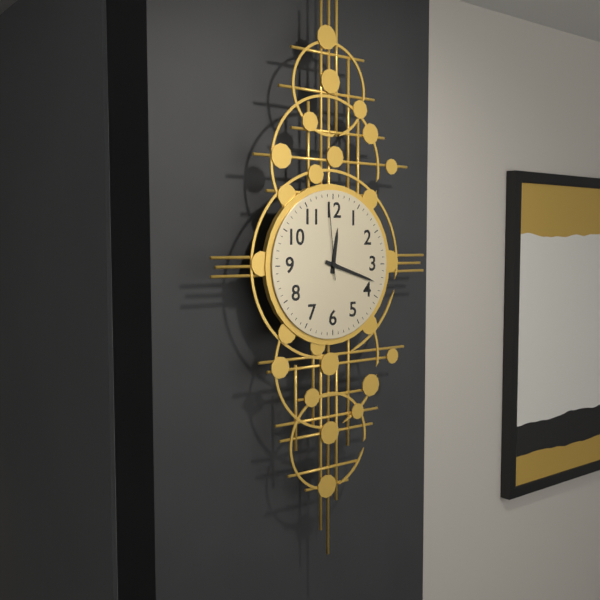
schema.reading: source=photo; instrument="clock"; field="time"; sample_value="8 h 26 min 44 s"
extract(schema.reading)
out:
12 h 18 min 59 s
